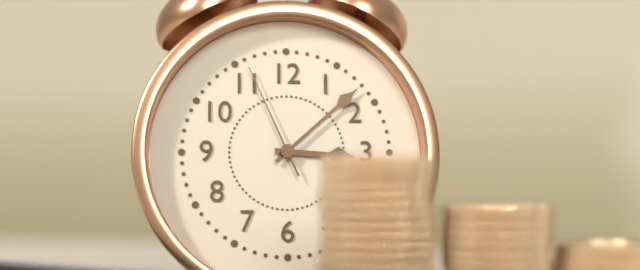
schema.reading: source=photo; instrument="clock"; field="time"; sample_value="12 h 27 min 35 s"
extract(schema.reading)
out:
3 h 08 min 56 s
